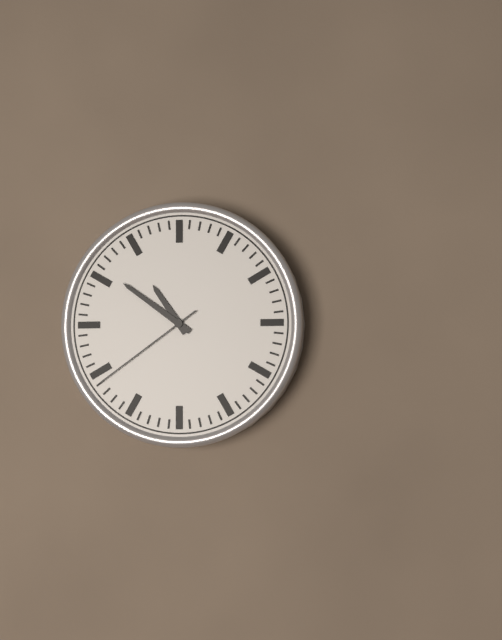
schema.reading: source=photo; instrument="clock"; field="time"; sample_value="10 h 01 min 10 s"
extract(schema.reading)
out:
10 h 51 min 39 s
